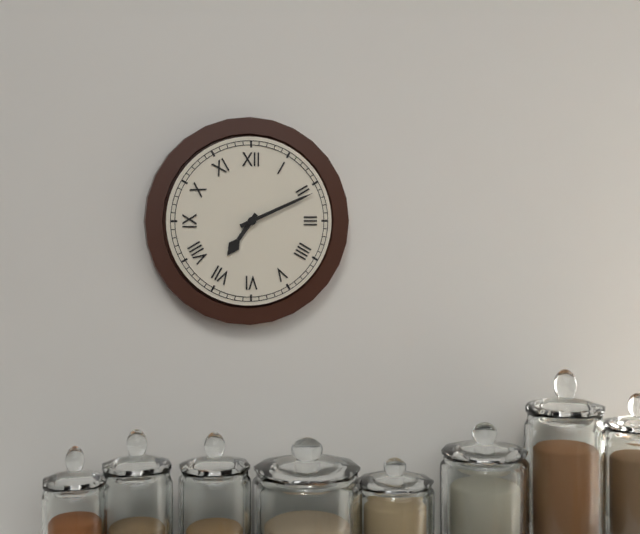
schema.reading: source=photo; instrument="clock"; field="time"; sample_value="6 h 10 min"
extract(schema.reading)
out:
7 h 11 min
